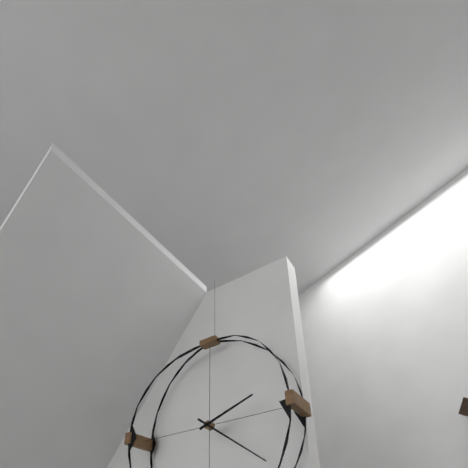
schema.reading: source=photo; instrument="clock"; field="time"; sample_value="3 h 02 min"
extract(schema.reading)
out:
2 h 21 min
